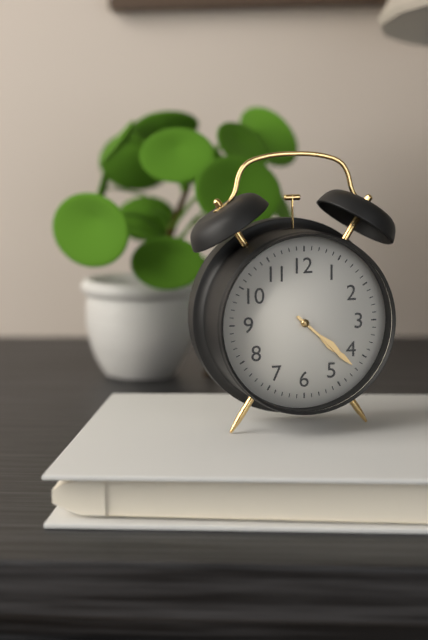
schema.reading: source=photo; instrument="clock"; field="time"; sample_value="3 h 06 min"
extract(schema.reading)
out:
4 h 22 min
